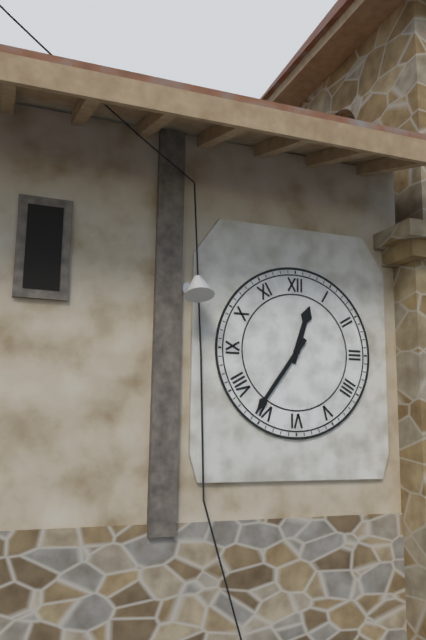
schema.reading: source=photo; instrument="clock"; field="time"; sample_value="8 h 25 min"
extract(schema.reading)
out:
12 h 36 min
